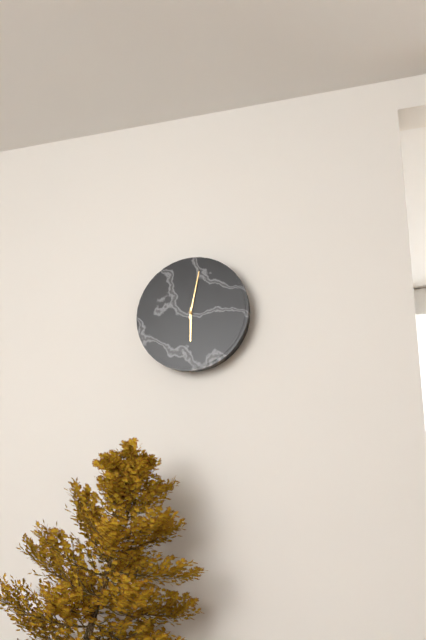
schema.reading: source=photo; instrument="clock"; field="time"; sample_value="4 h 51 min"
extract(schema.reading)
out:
6 h 02 min
